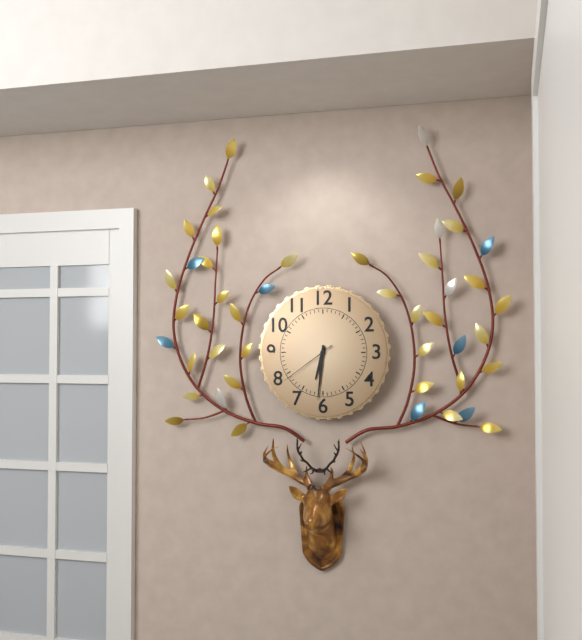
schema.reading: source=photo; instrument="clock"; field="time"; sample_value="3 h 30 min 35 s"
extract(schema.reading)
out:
6 h 31 min 39 s
